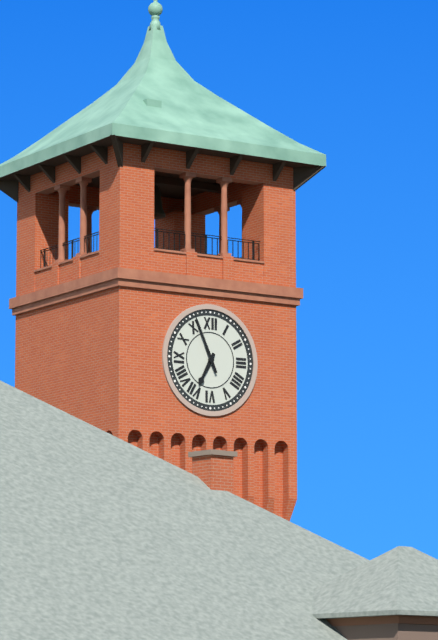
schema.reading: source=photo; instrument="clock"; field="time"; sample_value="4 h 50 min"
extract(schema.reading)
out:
6 h 56 min
